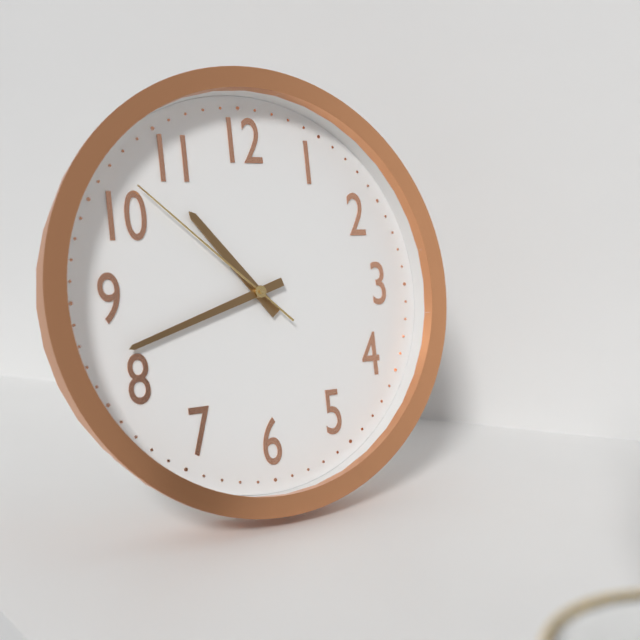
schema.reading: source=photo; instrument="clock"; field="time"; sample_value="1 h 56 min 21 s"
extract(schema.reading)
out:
10 h 42 min 52 s
